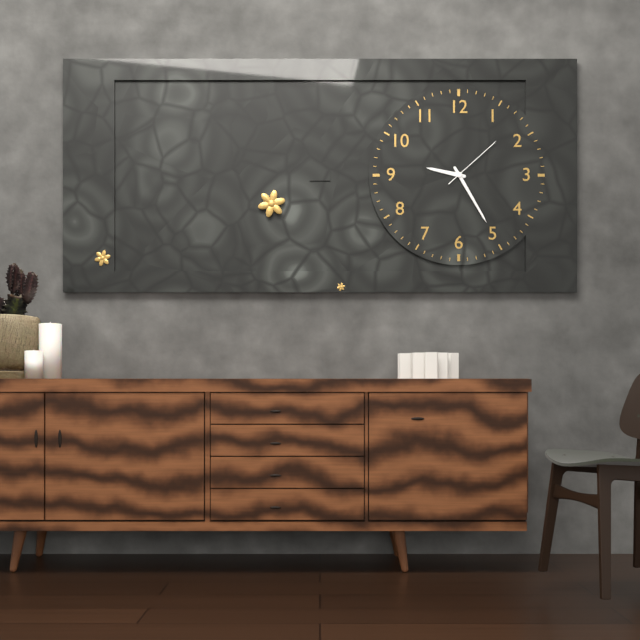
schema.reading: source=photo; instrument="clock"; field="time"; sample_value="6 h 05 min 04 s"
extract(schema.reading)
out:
9 h 25 min 08 s
